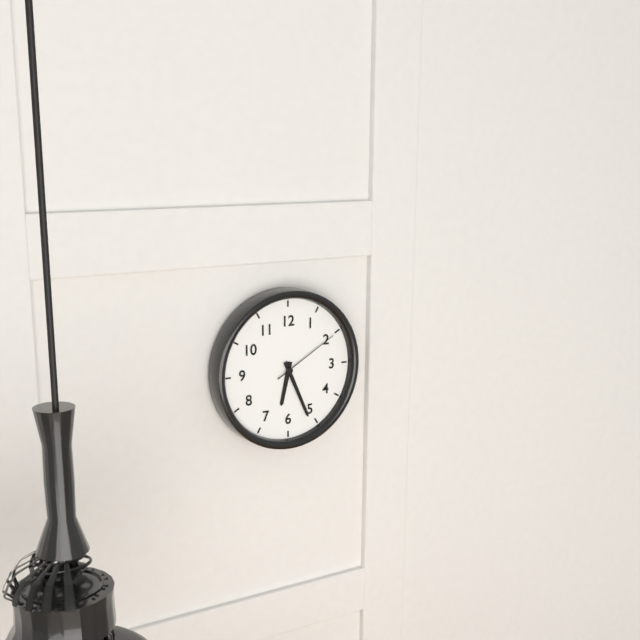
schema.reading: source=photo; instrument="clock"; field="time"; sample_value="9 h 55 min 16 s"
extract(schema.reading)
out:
6 h 26 min 10 s
